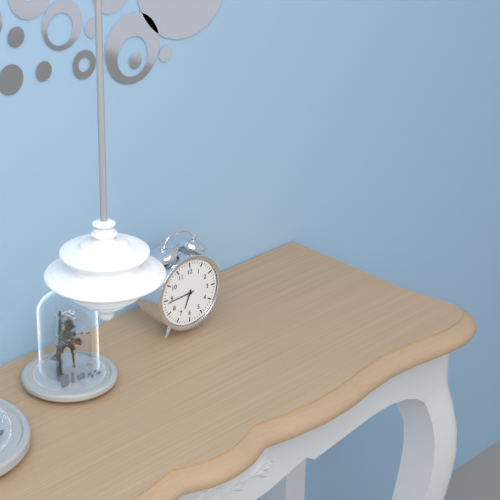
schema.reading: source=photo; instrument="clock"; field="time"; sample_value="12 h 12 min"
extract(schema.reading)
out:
6 h 44 min
